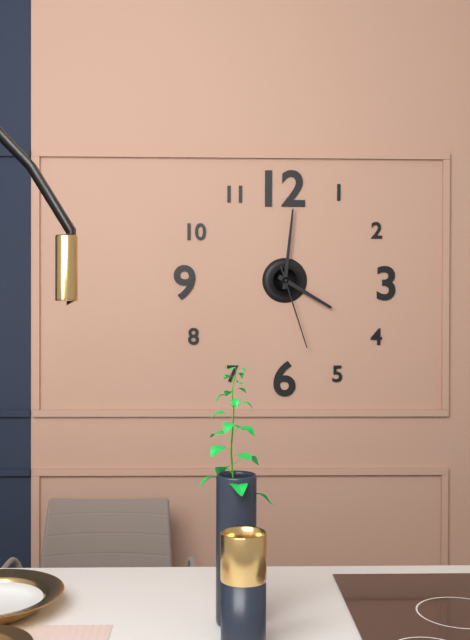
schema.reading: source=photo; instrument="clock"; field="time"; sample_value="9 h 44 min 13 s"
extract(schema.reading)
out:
4 h 01 min 27 s
